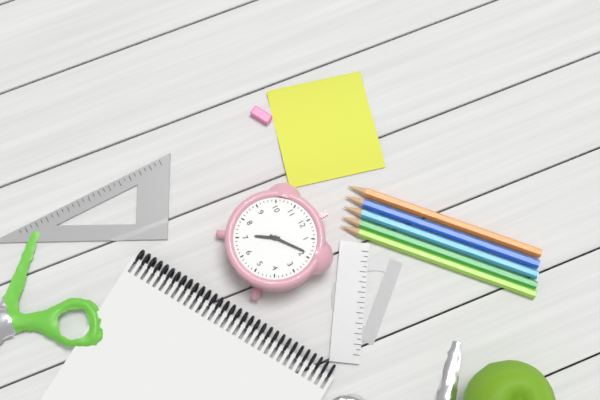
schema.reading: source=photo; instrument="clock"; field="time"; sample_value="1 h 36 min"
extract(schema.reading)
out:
7 h 09 min
